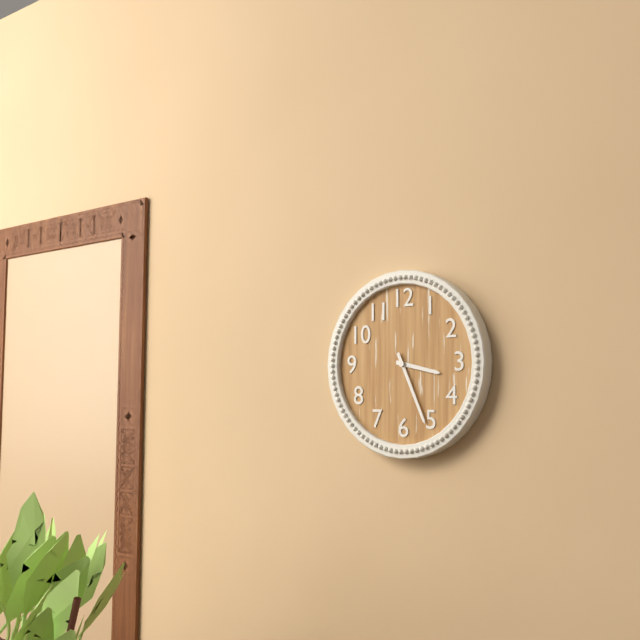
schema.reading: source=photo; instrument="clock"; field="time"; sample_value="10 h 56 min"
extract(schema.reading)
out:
3 h 26 min
